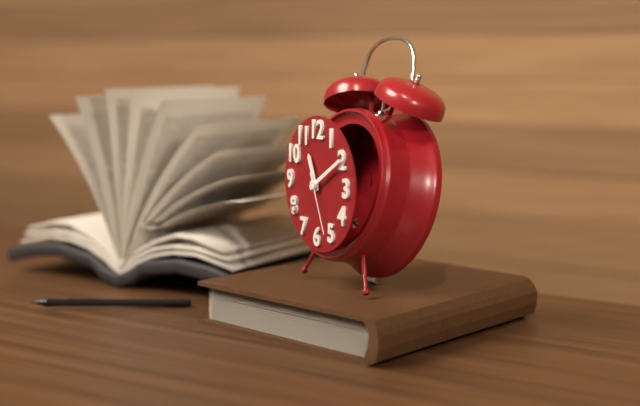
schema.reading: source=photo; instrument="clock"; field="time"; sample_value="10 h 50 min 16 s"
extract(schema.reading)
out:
11 h 10 min 26 s
